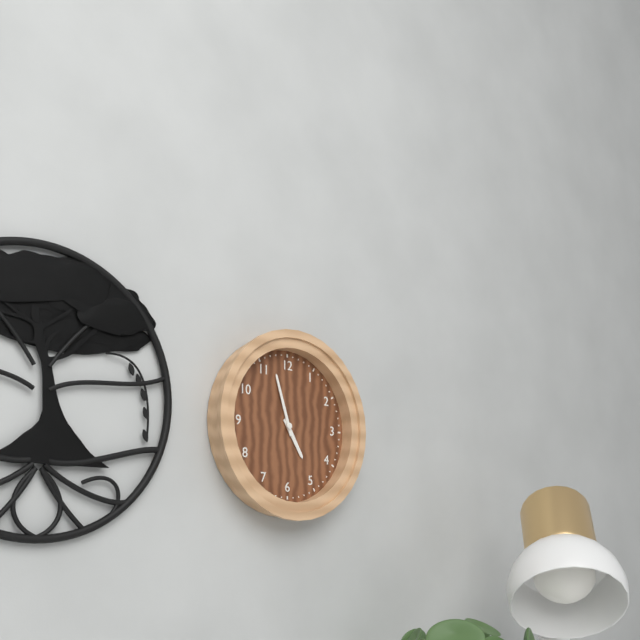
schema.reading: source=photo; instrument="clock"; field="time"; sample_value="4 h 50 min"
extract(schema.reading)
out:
4 h 57 min
